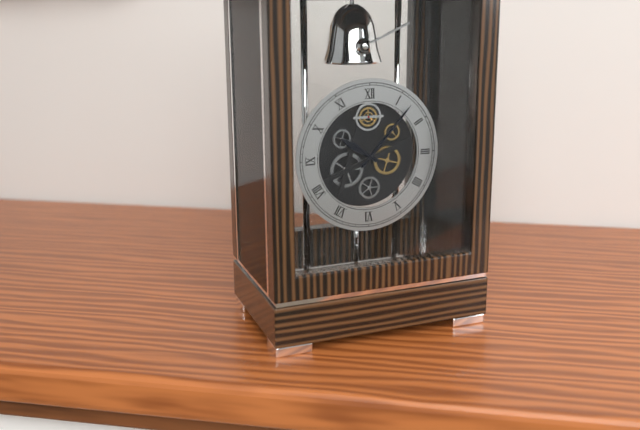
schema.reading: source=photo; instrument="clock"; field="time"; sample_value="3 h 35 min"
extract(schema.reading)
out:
10 h 07 min
